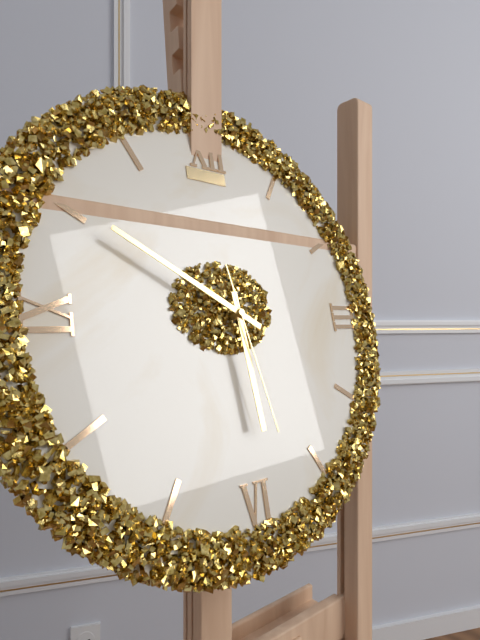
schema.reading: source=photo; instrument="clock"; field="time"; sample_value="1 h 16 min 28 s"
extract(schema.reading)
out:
5 h 50 min 28 s
